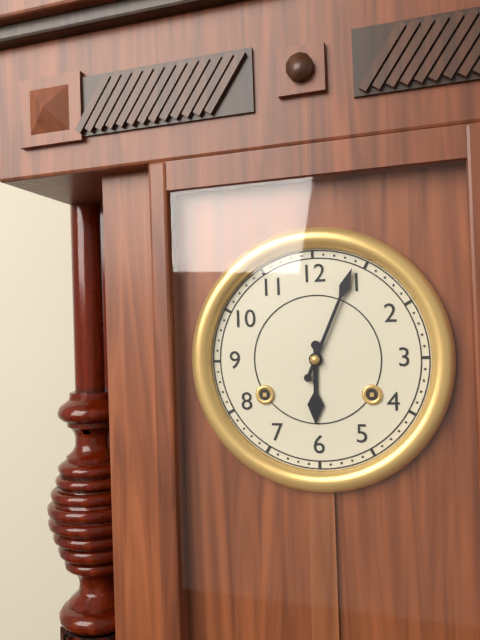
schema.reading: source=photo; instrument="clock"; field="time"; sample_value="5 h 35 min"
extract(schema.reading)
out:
6 h 04 min
